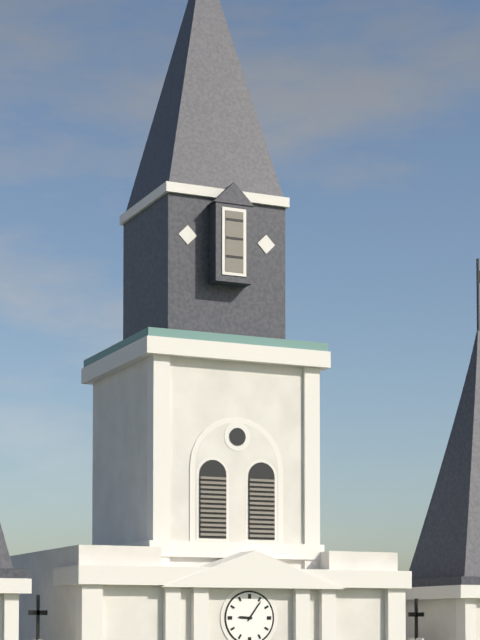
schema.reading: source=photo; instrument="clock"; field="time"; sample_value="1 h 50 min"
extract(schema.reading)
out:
9 h 06 min
